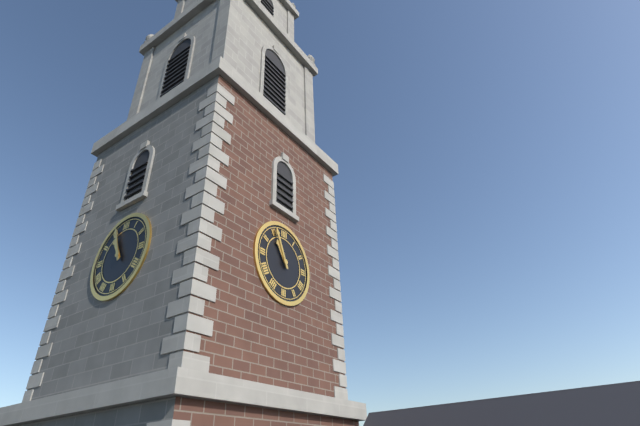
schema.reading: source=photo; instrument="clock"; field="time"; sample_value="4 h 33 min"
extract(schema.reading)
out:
10 h 56 min
